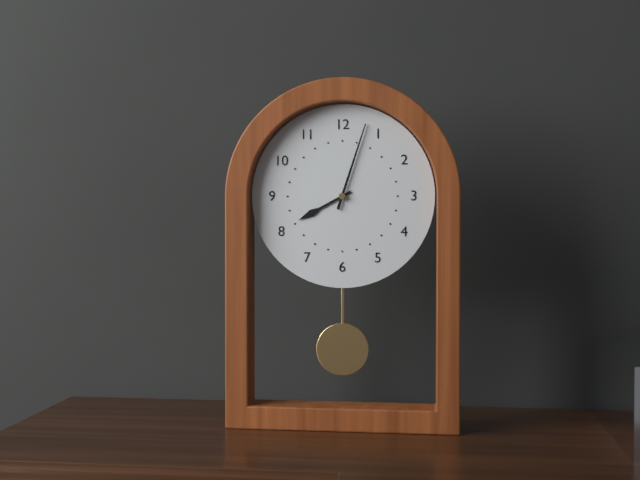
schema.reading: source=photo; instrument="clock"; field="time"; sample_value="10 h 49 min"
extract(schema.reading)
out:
8 h 03 min
